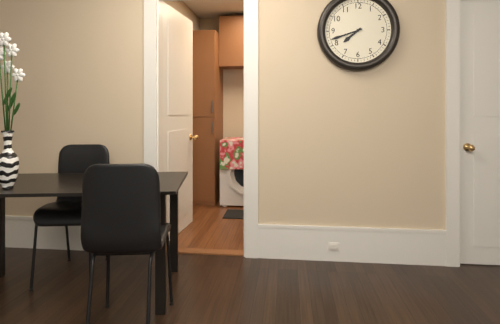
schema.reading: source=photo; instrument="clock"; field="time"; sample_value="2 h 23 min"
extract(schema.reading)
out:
7 h 42 min
